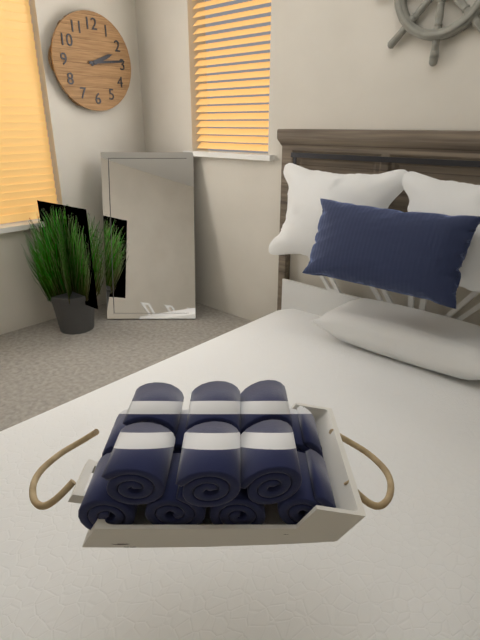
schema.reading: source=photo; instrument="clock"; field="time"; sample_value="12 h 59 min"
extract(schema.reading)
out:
2 h 14 min
